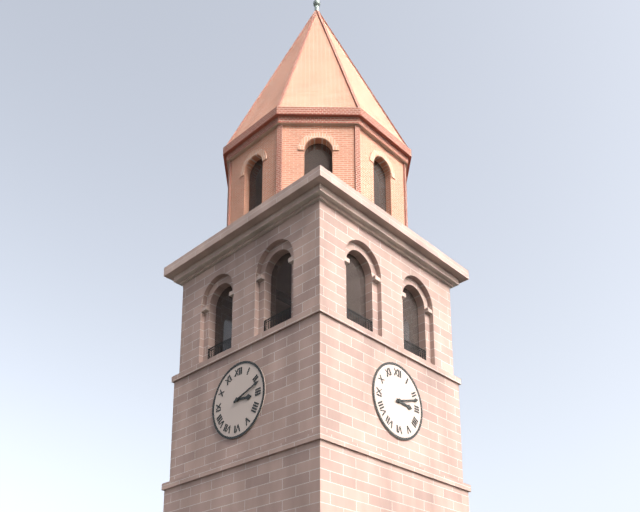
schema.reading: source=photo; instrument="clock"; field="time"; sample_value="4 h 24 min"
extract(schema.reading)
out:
3 h 12 min
